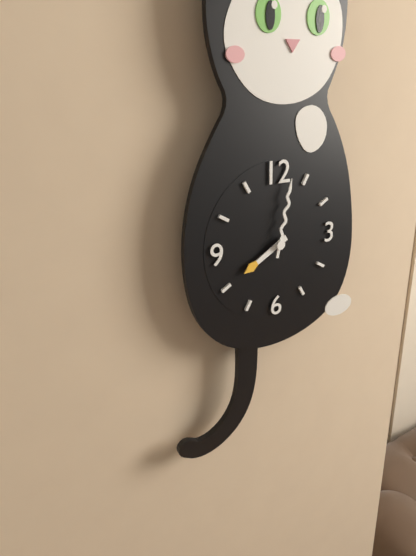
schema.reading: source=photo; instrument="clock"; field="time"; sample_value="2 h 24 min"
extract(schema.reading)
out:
8 h 02 min
